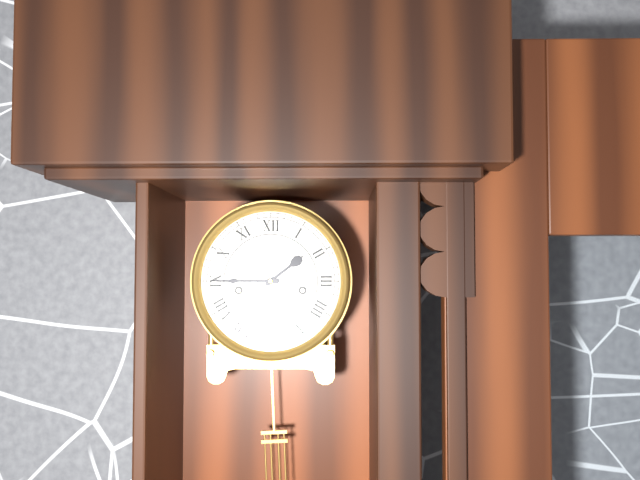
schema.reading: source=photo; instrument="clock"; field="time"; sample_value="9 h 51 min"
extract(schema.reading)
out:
1 h 45 min
